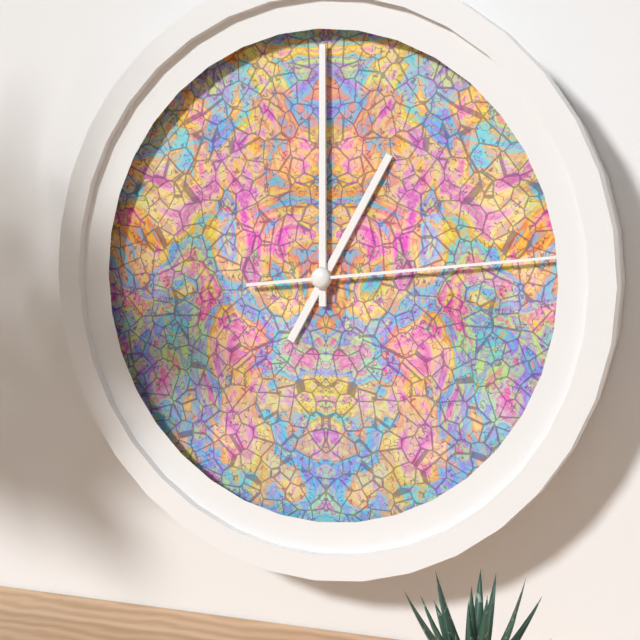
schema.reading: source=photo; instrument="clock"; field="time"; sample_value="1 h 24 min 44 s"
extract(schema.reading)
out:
1 h 00 min 14 s
